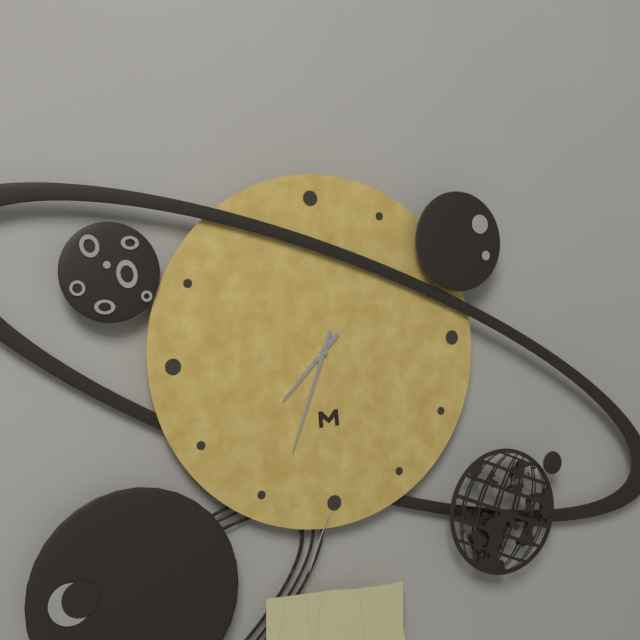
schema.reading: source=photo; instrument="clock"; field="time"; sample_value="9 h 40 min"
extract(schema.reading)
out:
7 h 34 min
